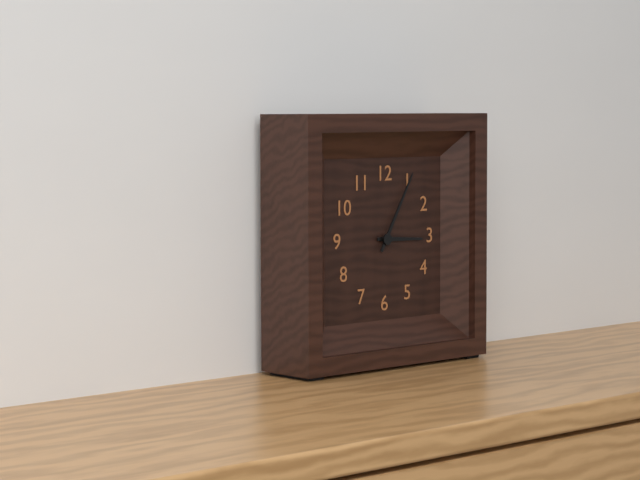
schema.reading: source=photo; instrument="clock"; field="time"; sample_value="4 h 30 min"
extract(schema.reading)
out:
3 h 05 min
